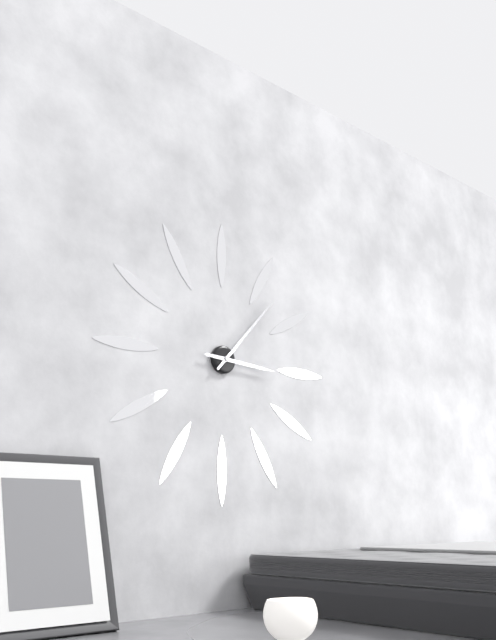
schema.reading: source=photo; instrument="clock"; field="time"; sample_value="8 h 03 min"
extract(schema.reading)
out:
3 h 07 min
